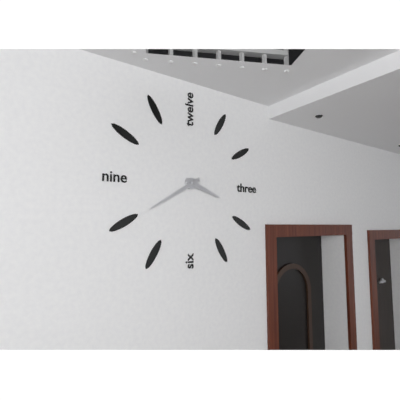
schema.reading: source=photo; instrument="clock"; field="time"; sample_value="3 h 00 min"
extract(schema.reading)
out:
3 h 40 min
